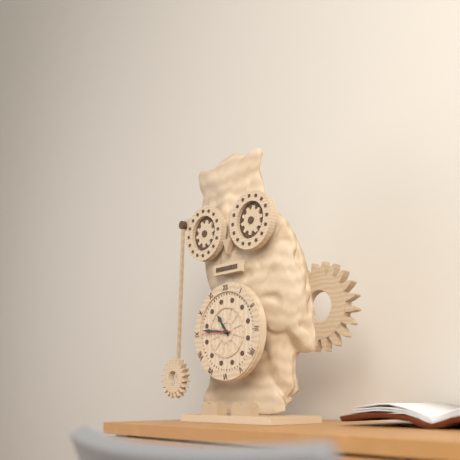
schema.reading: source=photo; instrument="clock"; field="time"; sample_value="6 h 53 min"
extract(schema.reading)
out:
10 h 46 min
